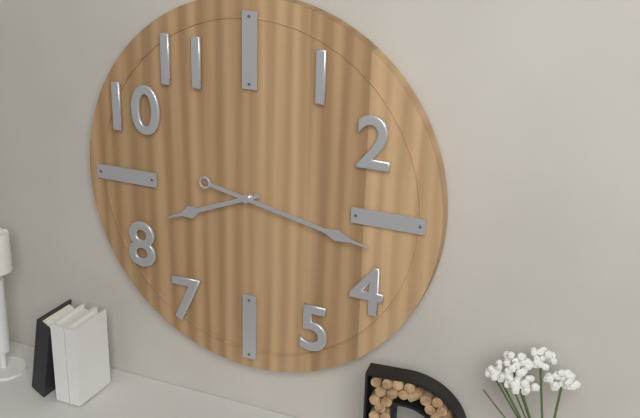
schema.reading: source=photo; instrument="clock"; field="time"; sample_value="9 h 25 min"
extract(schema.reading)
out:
8 h 17 min
